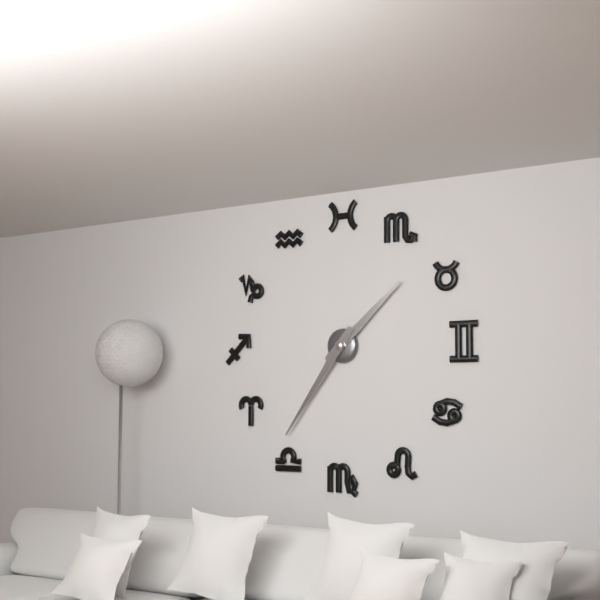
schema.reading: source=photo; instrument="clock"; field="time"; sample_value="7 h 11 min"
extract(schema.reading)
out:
1 h 36 min
